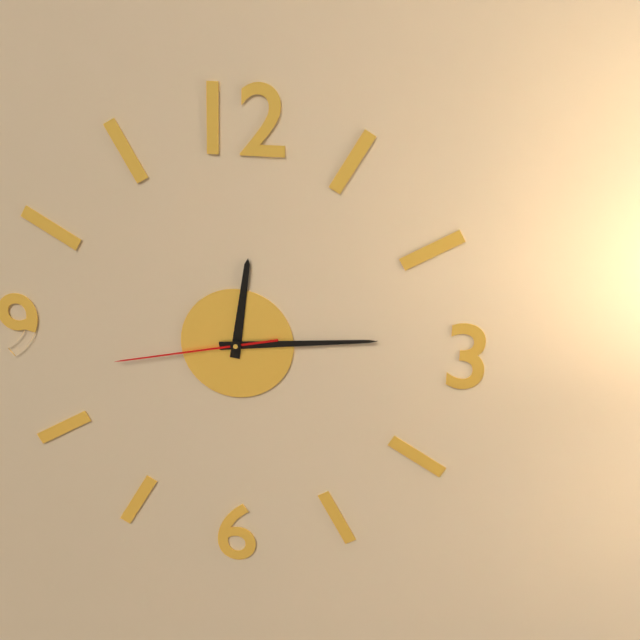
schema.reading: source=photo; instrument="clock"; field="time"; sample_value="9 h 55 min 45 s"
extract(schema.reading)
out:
12 h 14 min 43 s
